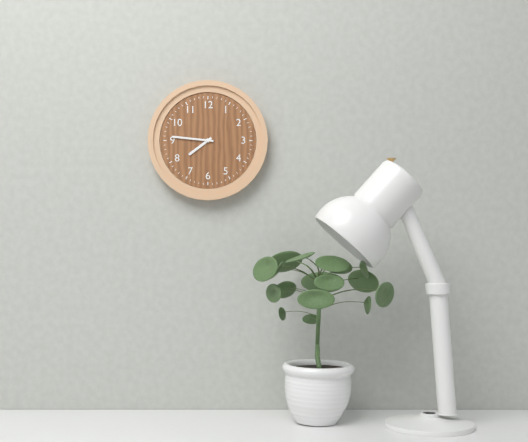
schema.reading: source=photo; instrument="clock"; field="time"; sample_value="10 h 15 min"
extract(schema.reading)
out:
7 h 46 min
